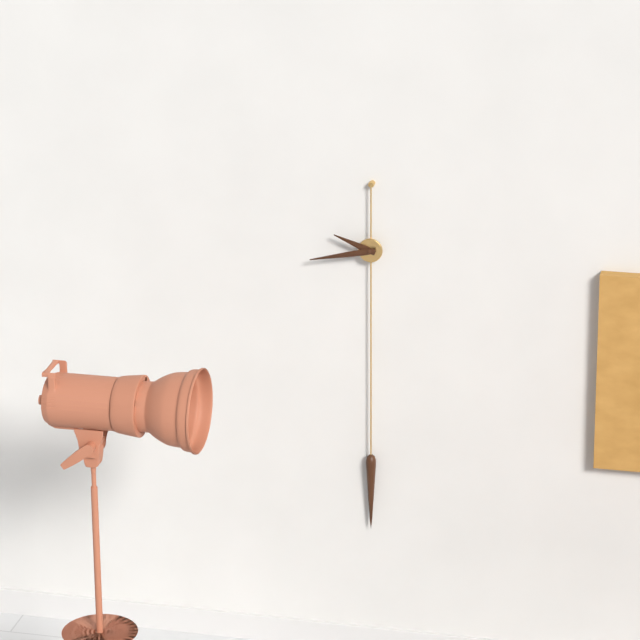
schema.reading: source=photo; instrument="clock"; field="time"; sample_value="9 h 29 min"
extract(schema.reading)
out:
9 h 43 min
